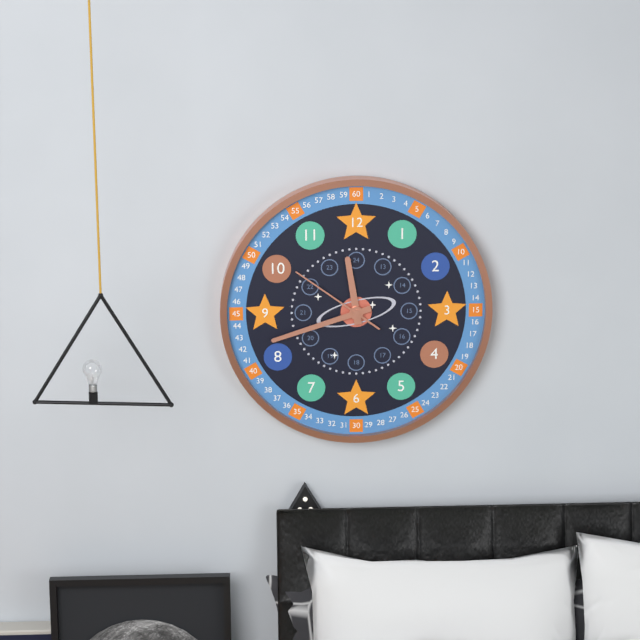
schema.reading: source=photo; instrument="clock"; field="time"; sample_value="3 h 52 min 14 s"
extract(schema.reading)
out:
11 h 42 min 51 s
